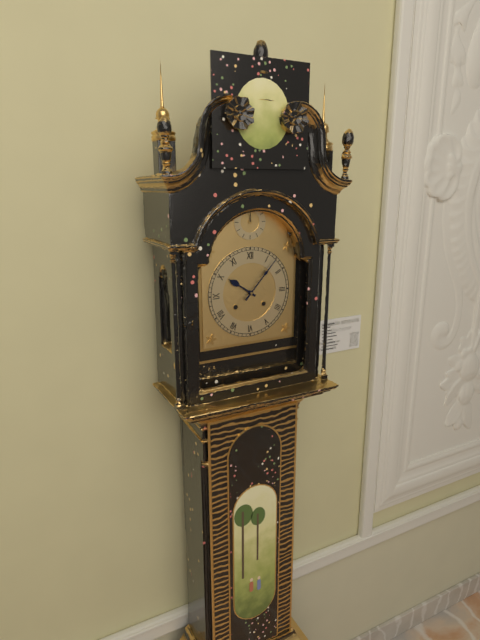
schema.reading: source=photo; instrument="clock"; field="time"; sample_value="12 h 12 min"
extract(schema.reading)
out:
10 h 07 min
